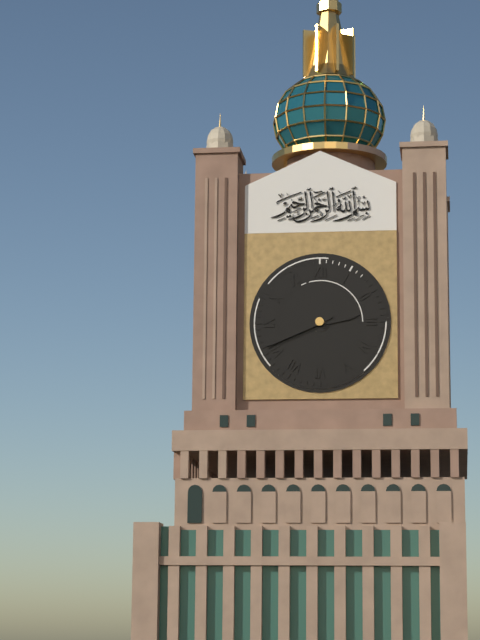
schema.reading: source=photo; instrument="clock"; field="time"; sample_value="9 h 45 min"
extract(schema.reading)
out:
2 h 41 min
